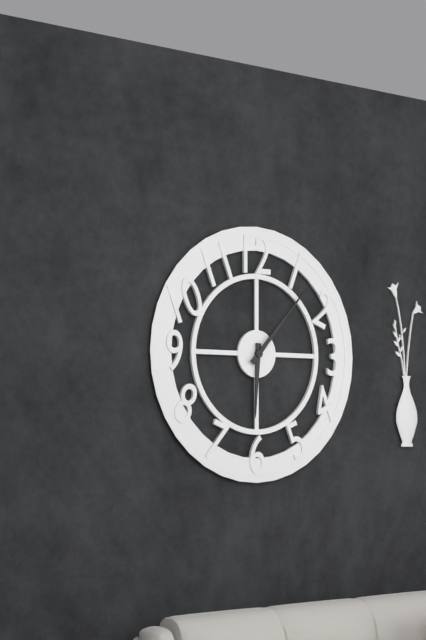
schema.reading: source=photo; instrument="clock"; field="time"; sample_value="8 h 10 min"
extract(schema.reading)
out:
6 h 07 min
